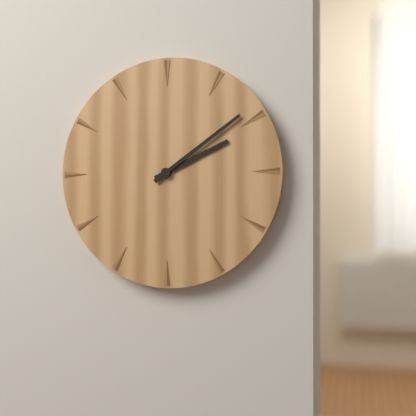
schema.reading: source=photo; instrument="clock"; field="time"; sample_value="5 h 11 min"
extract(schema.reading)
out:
2 h 09 min
